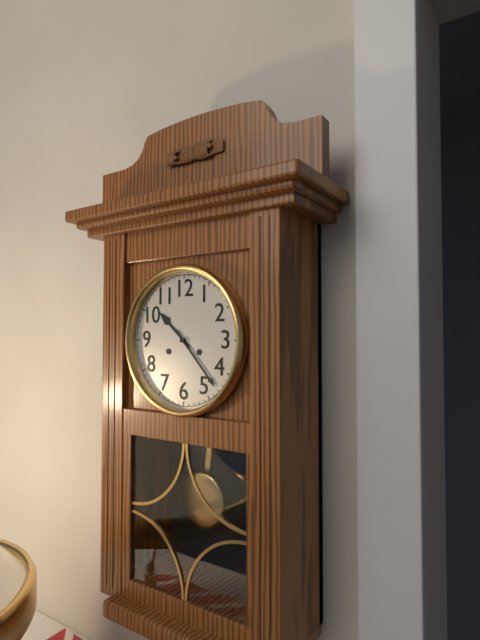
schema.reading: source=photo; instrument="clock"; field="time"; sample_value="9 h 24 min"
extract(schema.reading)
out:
10 h 23 min
